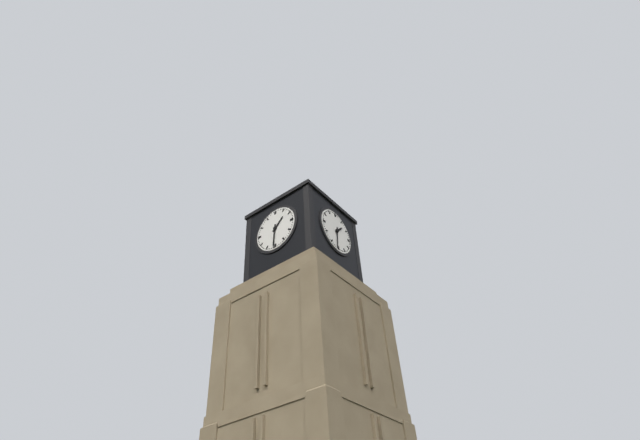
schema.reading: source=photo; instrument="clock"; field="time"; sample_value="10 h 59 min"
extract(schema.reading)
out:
1 h 31 min
